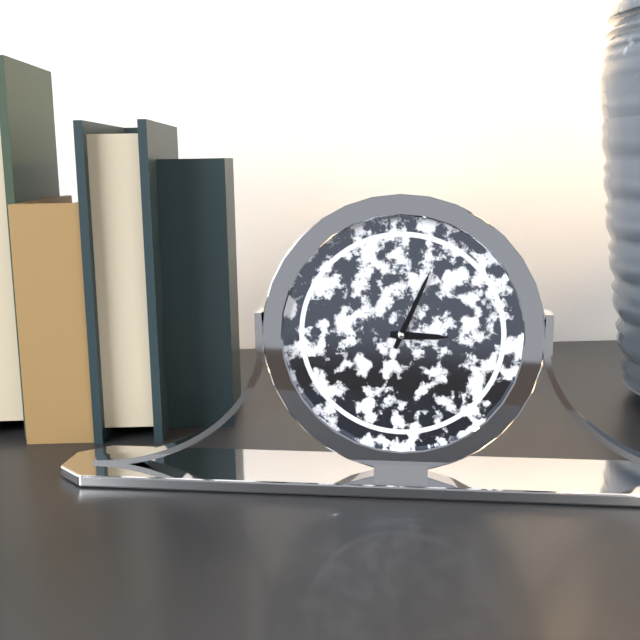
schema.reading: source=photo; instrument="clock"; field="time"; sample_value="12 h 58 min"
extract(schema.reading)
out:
3 h 04 min
